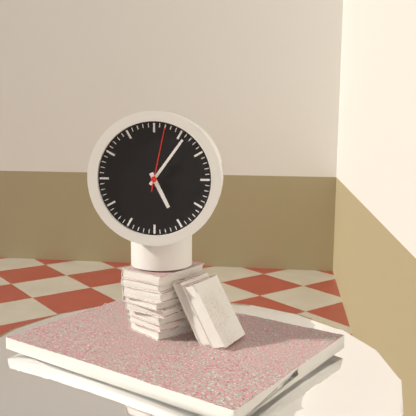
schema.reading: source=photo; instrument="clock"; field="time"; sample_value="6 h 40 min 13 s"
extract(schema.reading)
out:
5 h 06 min 02 s
